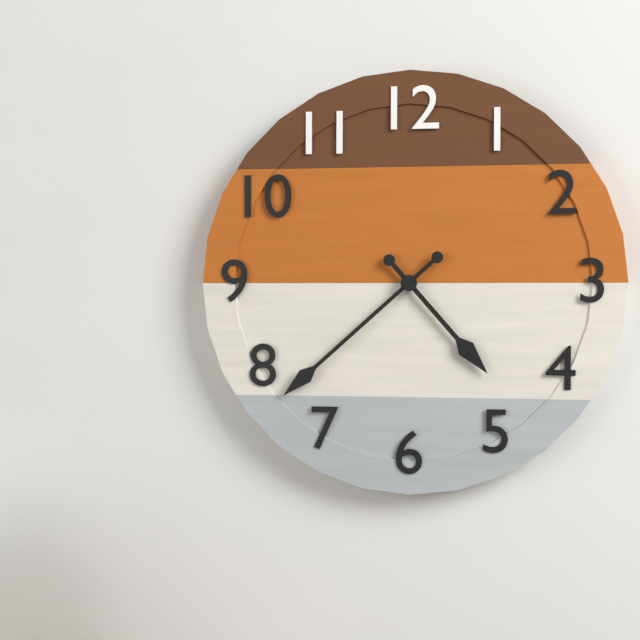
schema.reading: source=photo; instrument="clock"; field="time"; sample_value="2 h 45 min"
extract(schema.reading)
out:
4 h 38 min
